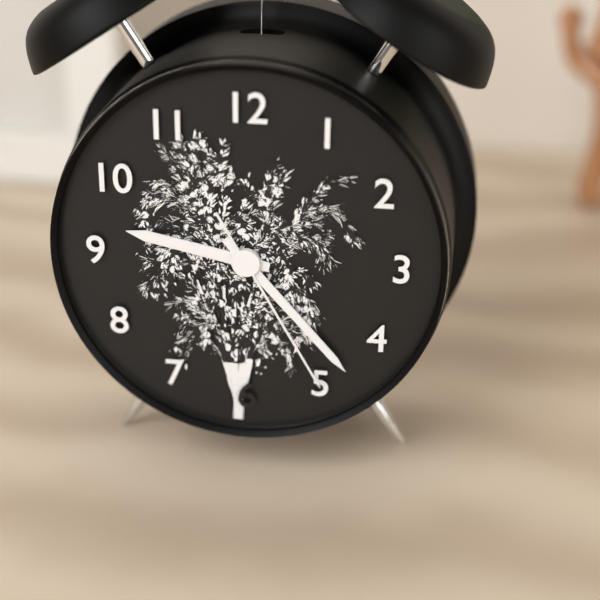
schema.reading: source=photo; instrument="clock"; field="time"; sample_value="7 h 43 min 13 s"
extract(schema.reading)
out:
9 h 23 min 25 s
